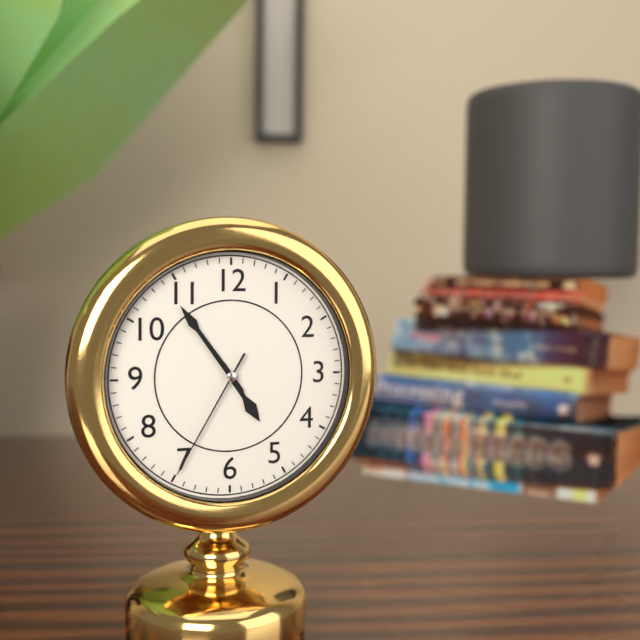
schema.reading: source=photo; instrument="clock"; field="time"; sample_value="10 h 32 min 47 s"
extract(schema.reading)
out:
4 h 54 min 35 s
